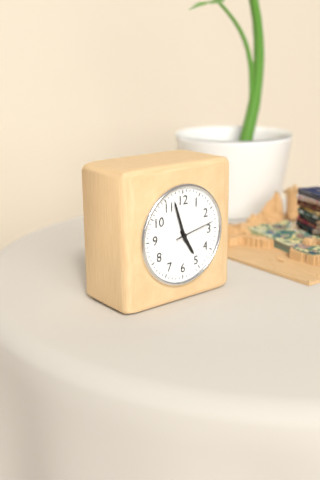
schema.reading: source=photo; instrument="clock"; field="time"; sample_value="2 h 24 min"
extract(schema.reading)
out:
4 h 57 min
